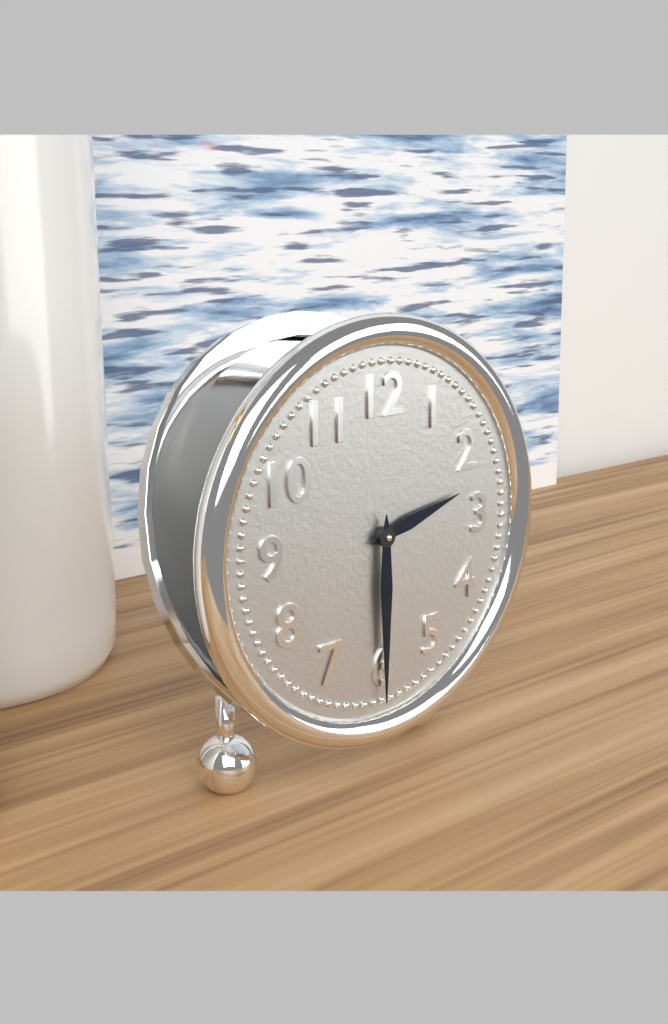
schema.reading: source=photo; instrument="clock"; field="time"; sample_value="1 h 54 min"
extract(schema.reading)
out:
2 h 30 min
